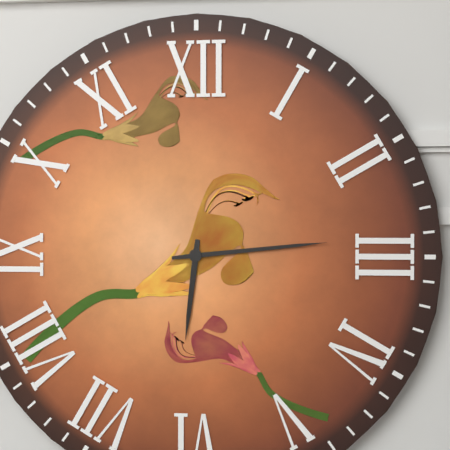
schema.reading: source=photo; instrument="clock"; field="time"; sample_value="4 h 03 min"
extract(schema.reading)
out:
6 h 14 min
